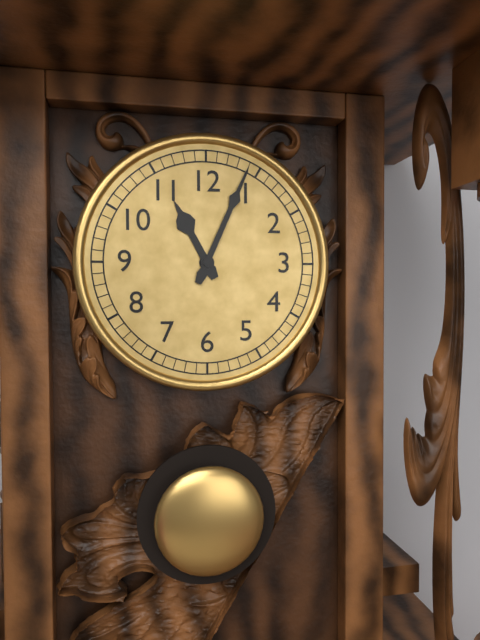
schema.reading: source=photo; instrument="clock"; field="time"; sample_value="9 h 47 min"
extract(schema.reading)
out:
11 h 04 min
